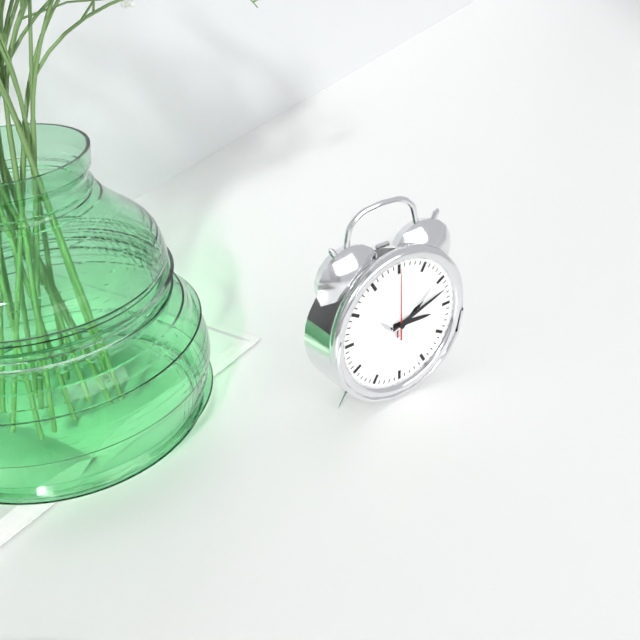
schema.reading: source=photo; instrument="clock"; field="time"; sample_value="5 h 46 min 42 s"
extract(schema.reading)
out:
3 h 12 min 00 s
